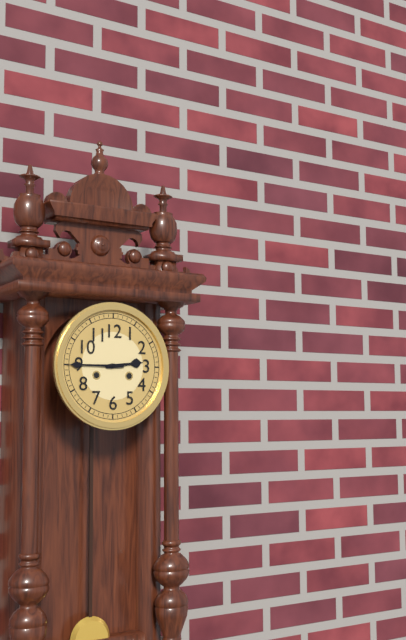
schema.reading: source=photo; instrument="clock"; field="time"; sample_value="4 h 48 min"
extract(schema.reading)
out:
2 h 45 min
